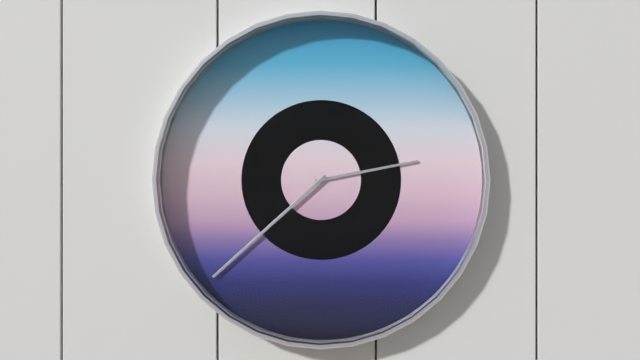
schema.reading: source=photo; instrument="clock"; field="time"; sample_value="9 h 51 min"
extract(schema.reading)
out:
2 h 38 min
